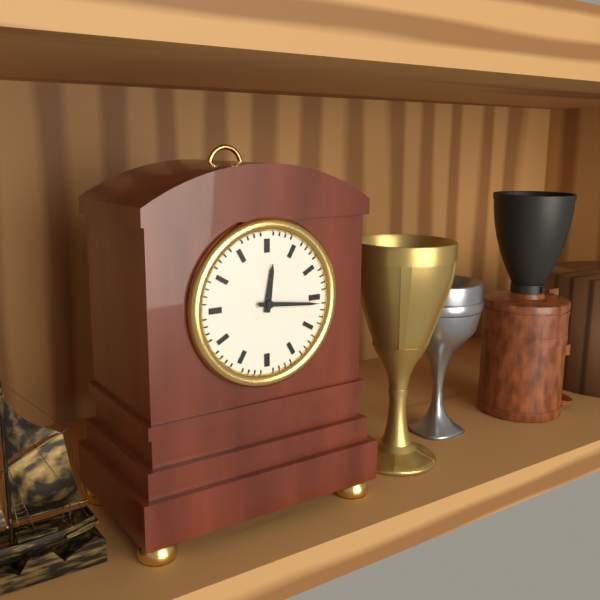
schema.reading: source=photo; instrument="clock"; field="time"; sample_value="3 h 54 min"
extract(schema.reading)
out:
12 h 16 min
